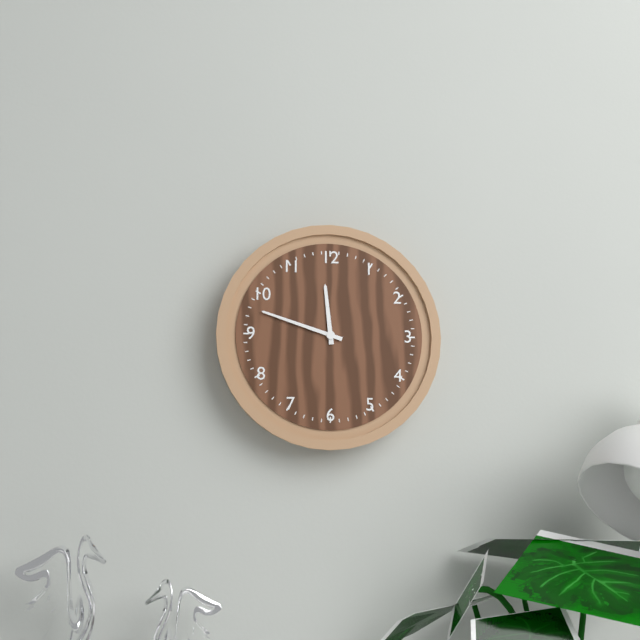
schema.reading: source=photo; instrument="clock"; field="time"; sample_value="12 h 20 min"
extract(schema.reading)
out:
11 h 48 min
